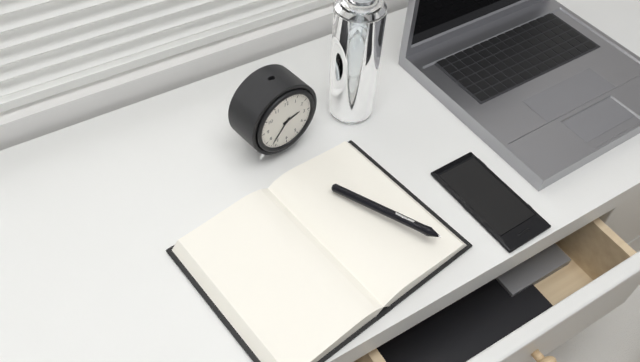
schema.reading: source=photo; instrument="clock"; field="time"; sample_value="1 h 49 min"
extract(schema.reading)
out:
2 h 37 min
